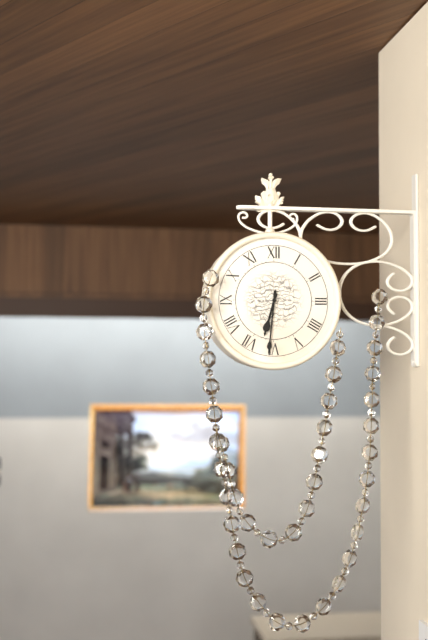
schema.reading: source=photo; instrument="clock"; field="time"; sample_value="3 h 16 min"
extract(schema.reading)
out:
6 h 31 min
